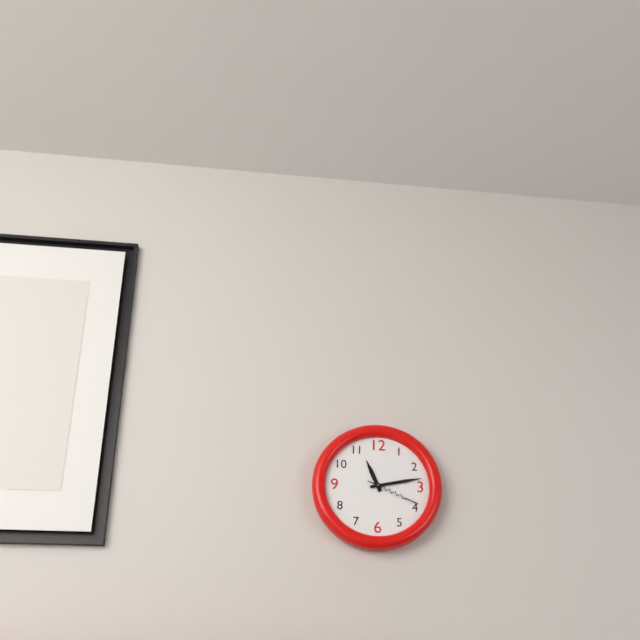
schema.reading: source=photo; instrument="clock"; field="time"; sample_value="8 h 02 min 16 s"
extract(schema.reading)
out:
11 h 13 min 19 s
